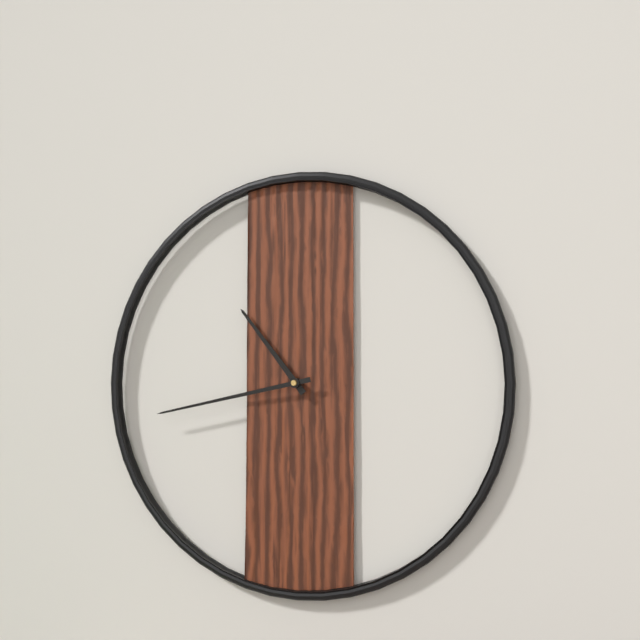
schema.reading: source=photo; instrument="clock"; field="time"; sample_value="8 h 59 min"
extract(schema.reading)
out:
10 h 43 min
